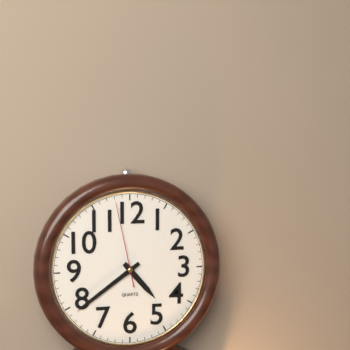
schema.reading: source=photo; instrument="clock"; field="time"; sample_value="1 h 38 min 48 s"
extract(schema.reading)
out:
4 h 39 min 58 s
